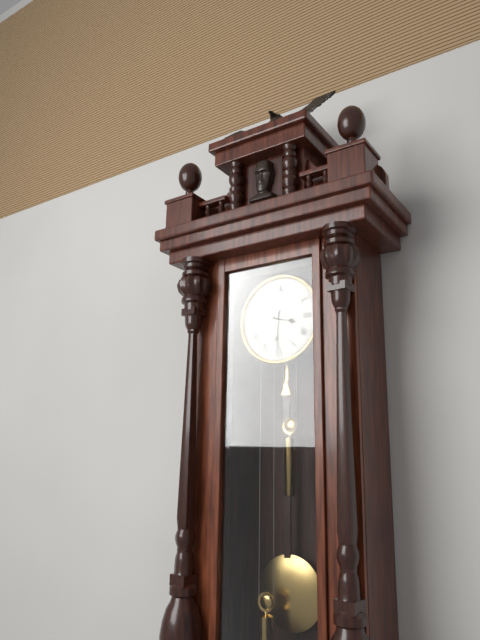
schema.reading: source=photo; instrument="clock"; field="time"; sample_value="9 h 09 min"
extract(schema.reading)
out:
3 h 31 min
